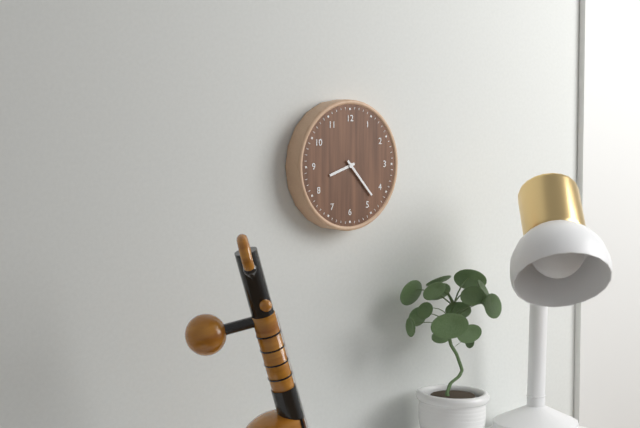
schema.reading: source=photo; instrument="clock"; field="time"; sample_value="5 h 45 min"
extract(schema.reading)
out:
8 h 23 min
